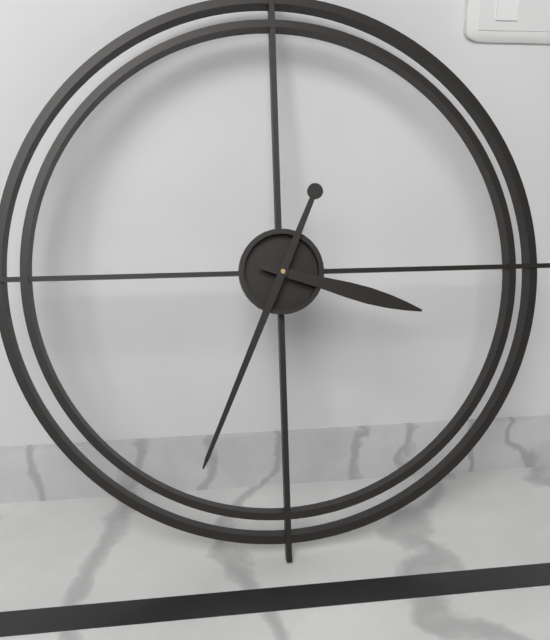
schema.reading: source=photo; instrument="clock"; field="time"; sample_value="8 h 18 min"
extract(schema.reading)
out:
3 h 34 min
